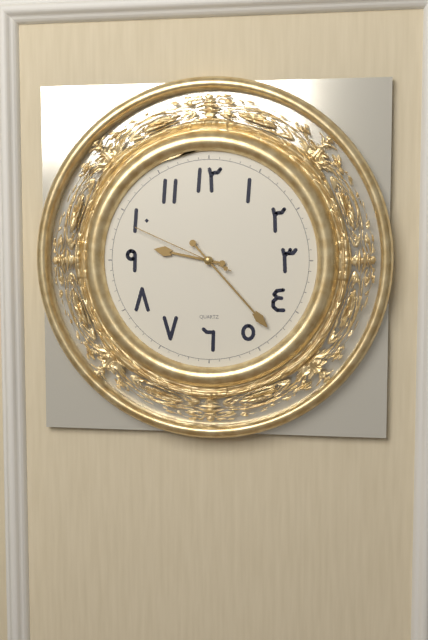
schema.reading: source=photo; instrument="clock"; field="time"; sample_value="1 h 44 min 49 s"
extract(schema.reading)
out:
9 h 23 min 49 s
